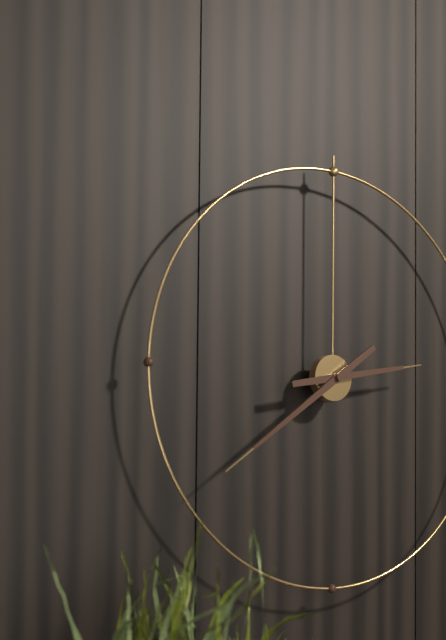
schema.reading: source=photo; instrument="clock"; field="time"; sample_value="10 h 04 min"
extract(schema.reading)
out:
2 h 39 min
